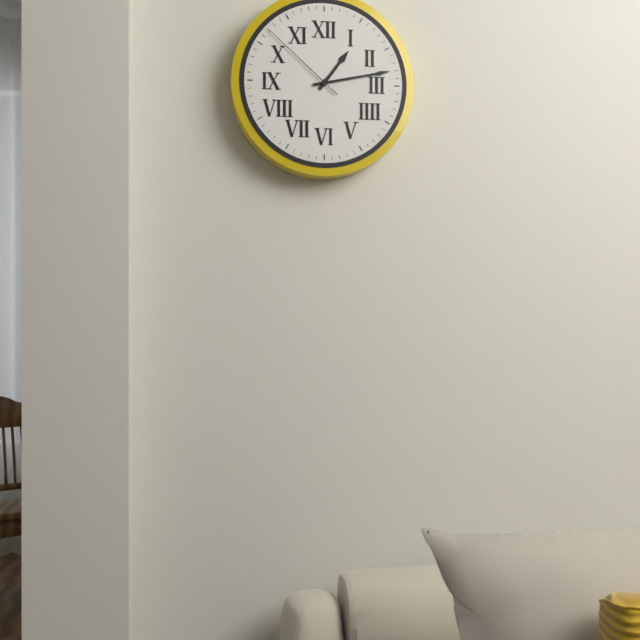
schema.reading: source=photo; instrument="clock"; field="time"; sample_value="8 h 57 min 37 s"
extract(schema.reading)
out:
1 h 13 min 52 s
